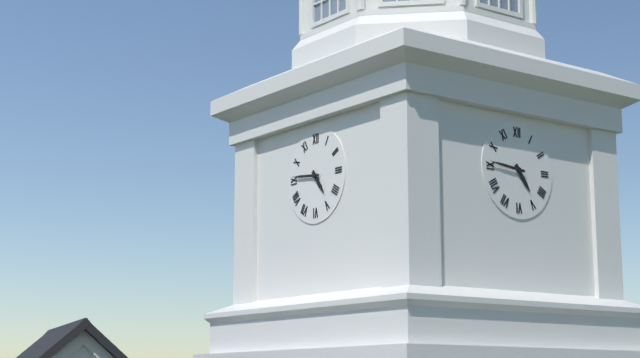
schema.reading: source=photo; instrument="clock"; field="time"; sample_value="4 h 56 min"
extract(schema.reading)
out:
4 h 46 min
